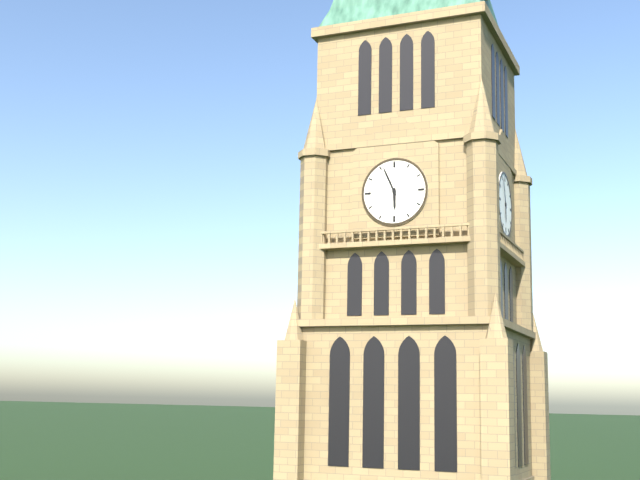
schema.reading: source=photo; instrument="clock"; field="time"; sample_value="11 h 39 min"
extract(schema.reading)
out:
5 h 56 min
